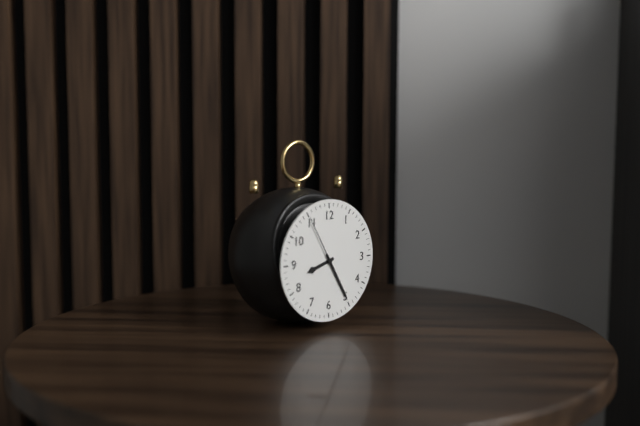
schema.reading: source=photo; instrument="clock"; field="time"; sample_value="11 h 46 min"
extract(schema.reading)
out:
8 h 25 min
